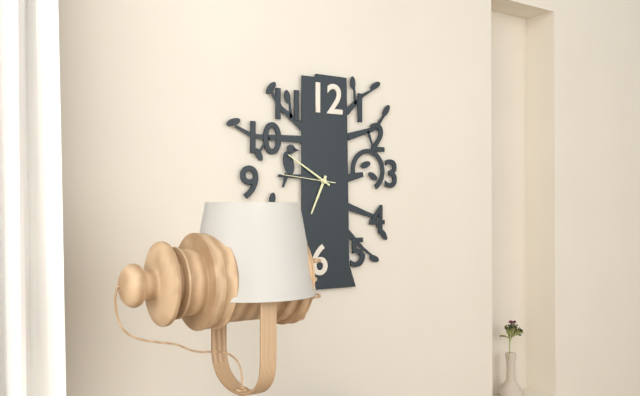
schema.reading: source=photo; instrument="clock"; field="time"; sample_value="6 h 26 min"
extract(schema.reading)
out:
6 h 50 min
